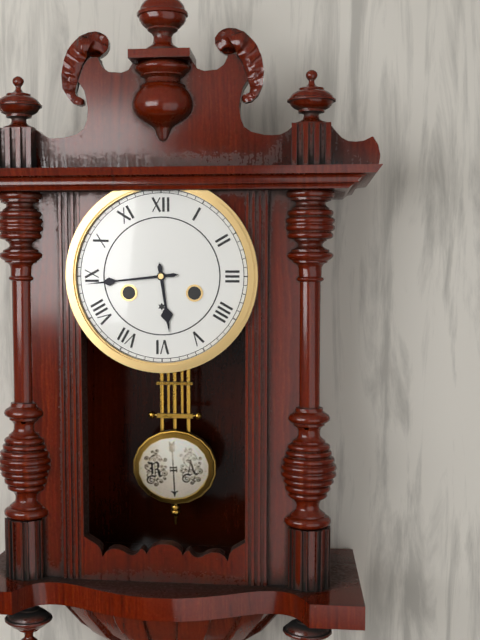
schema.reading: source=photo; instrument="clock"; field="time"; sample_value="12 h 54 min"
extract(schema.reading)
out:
5 h 44 min
